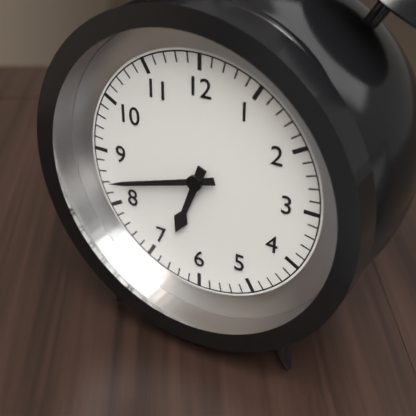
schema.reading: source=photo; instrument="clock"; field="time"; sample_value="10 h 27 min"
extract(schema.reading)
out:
6 h 42 min
